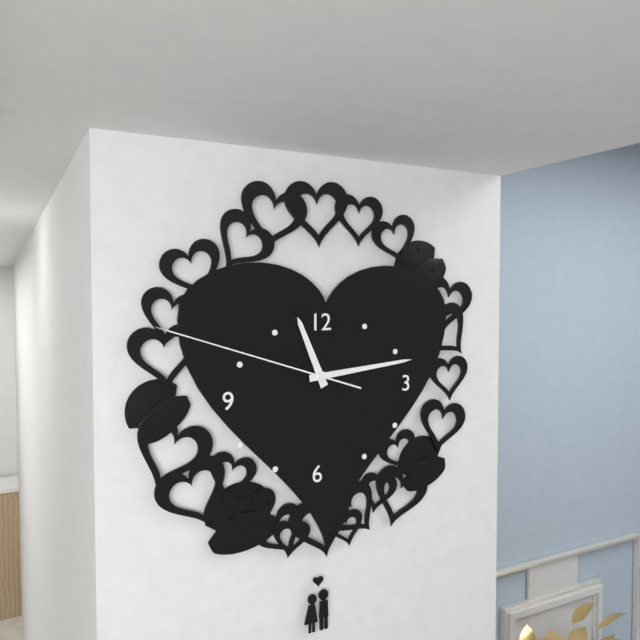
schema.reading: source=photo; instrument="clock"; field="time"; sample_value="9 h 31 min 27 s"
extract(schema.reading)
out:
11 h 14 min 48 s
